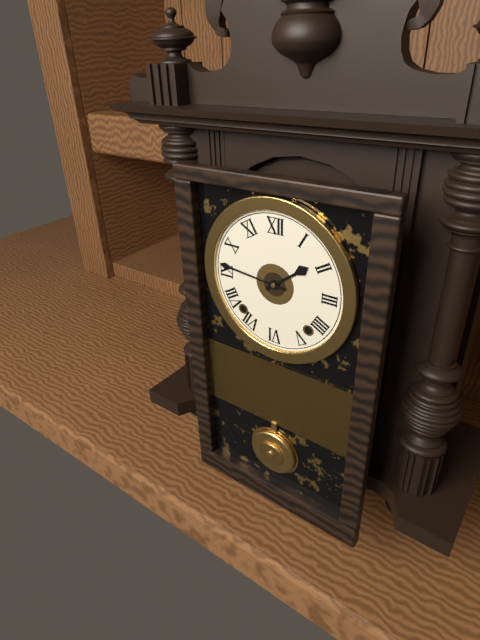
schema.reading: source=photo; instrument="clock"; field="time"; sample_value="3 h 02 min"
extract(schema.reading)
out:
1 h 46 min
